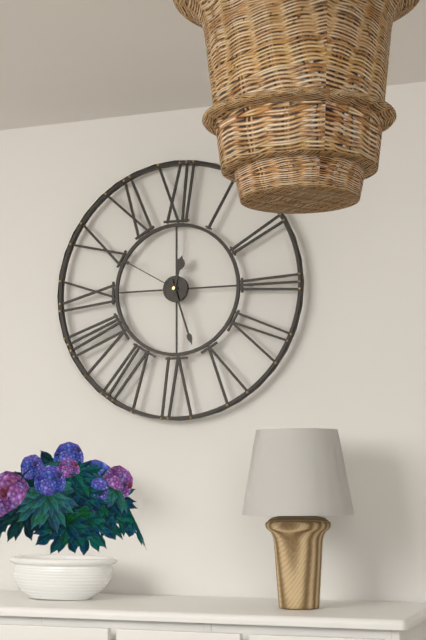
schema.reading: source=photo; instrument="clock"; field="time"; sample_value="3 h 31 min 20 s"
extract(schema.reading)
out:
12 h 27 min 50 s
